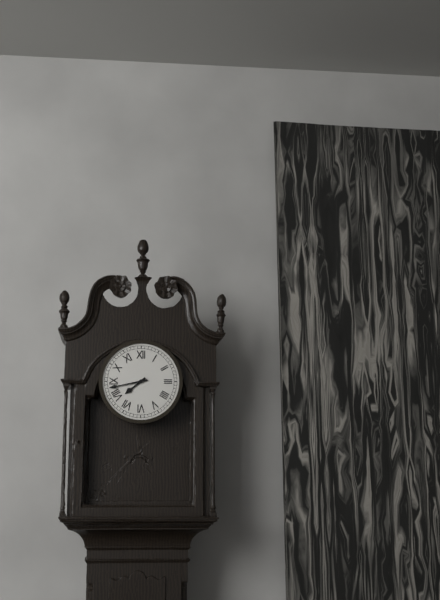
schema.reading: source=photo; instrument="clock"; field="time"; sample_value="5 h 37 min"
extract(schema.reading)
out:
7 h 43 min
